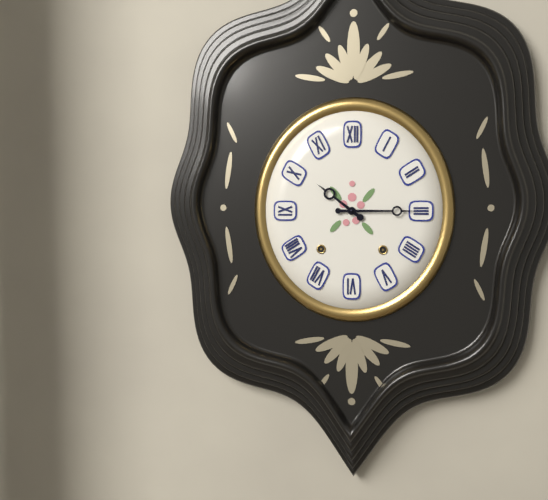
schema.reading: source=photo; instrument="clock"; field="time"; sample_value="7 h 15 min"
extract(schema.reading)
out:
10 h 15 min
